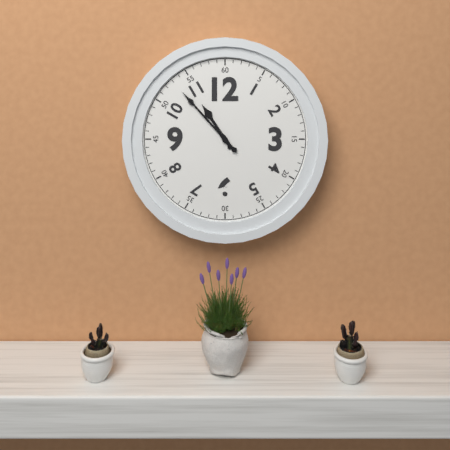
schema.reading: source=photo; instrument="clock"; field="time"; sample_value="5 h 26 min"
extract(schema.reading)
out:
10 h 53 min
